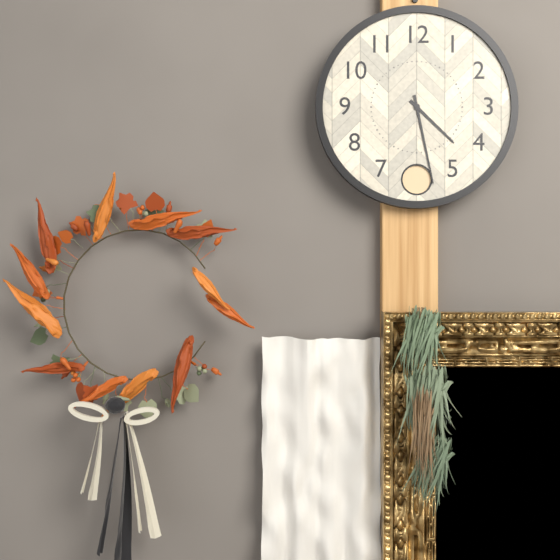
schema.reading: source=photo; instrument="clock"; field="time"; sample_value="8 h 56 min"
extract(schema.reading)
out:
4 h 28 min
